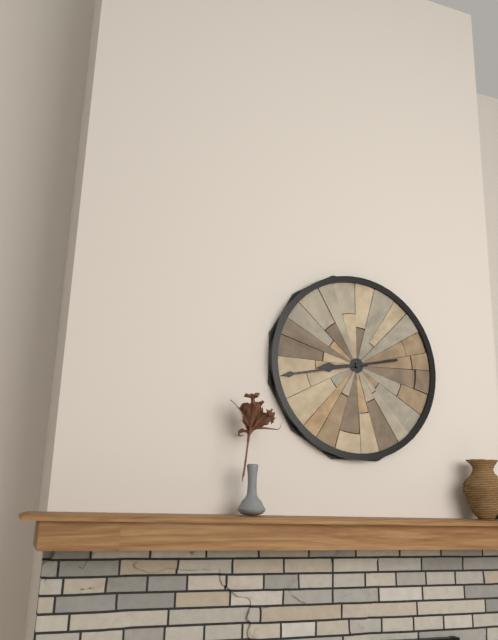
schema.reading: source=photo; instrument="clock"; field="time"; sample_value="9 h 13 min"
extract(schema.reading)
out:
8 h 43 min
